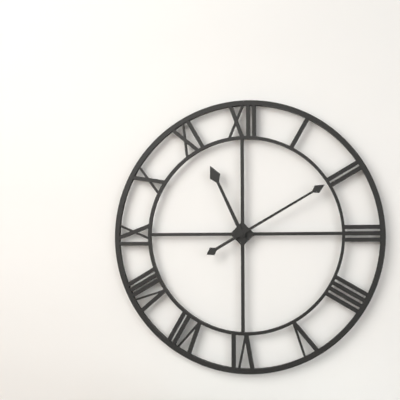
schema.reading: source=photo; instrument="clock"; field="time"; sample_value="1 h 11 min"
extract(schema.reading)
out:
11 h 10 min
